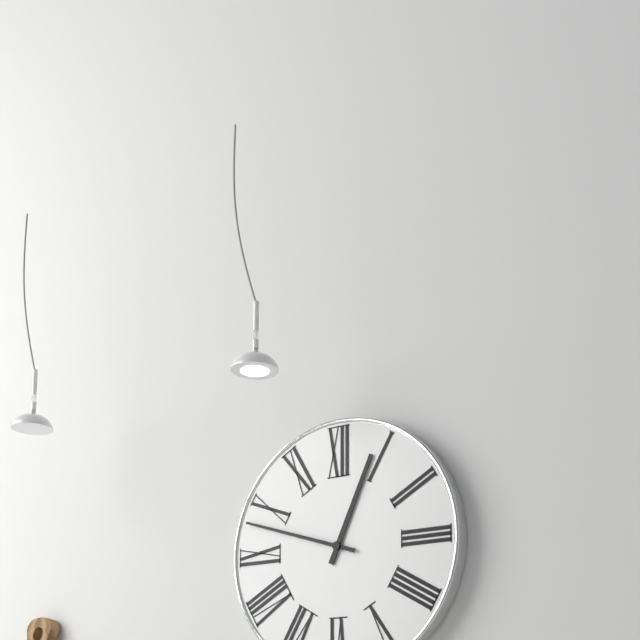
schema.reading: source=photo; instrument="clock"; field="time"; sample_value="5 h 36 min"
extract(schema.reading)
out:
12 h 48 min
